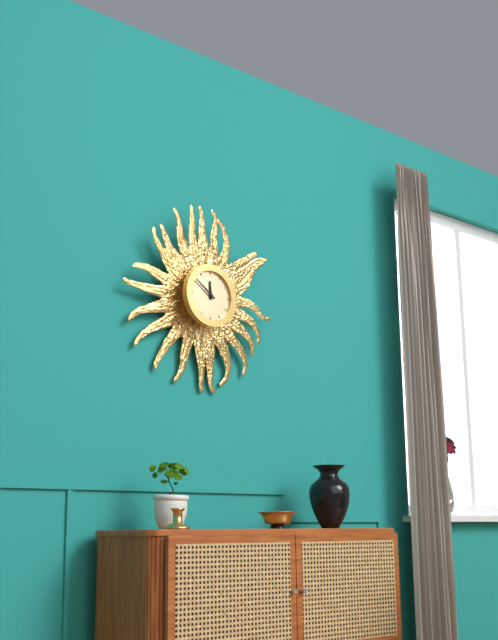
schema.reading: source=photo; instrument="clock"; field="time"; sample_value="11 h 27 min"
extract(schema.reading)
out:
11 h 51 min
